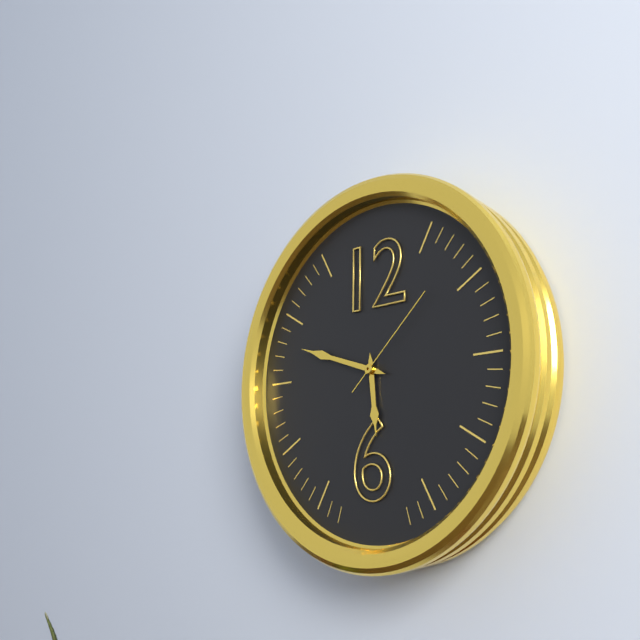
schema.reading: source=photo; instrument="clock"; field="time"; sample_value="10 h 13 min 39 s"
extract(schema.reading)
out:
5 h 48 min 08 s
